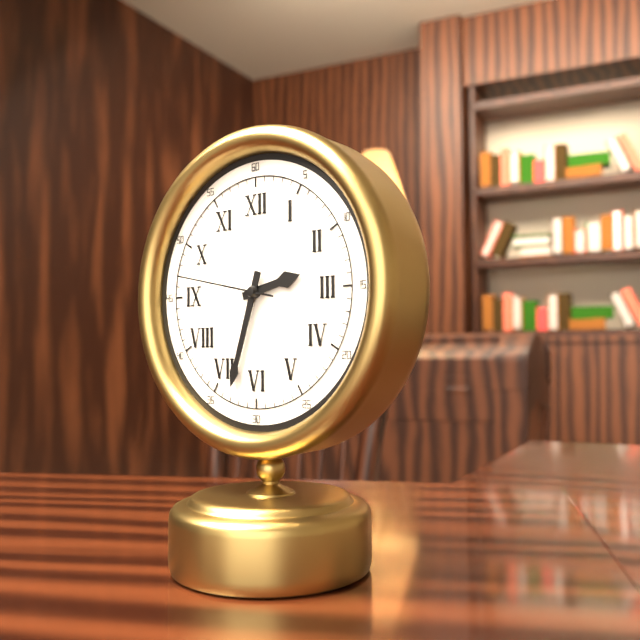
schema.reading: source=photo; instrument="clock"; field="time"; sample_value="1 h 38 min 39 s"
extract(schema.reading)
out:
2 h 33 min 47 s
